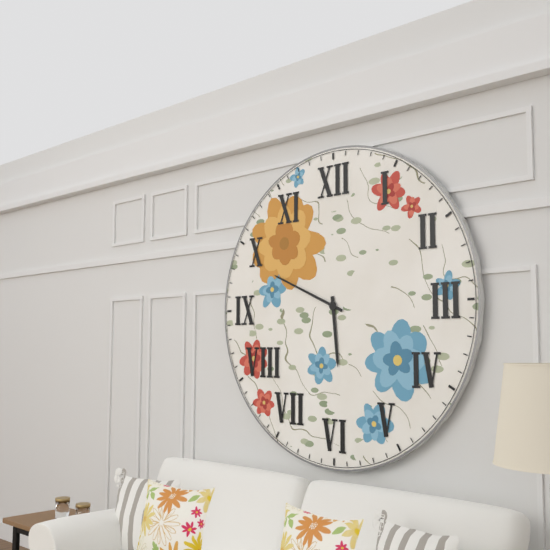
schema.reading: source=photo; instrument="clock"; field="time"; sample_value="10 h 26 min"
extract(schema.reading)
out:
5 h 49 min
